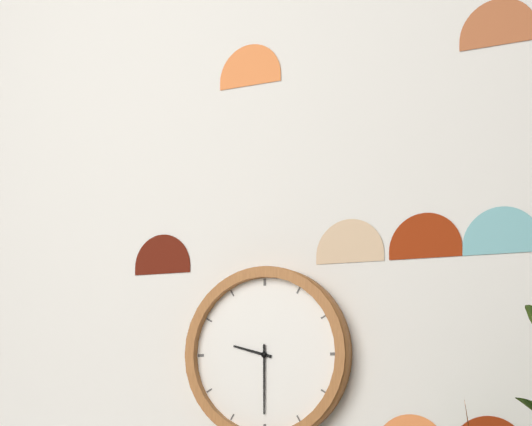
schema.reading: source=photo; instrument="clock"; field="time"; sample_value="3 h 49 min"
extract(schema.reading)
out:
9 h 30 min
